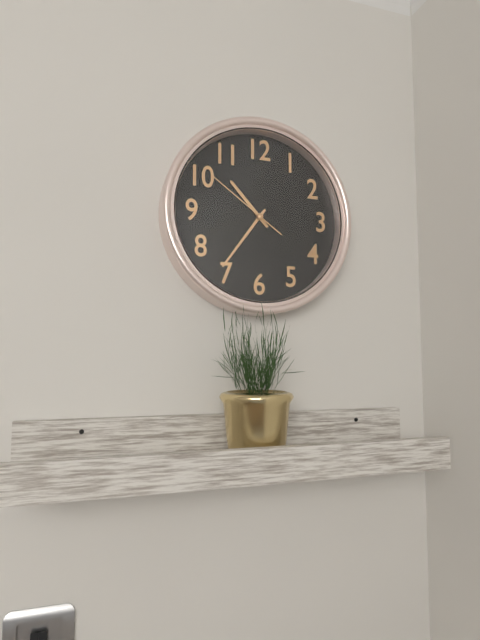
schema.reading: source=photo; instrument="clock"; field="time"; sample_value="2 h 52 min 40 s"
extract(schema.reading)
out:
10 h 36 min 51 s
